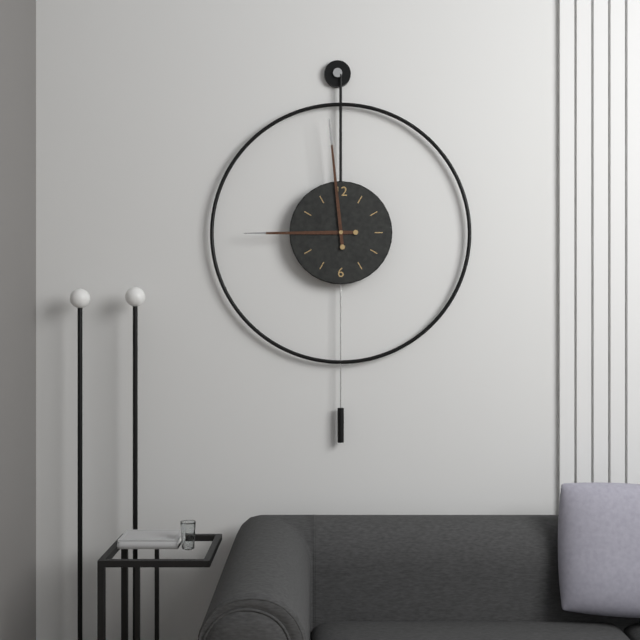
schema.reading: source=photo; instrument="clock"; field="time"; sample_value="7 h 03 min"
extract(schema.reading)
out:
8 h 59 min
